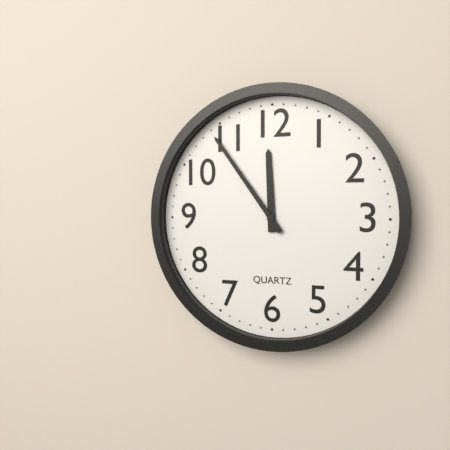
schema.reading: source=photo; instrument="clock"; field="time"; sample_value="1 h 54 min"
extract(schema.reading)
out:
11 h 54 min
